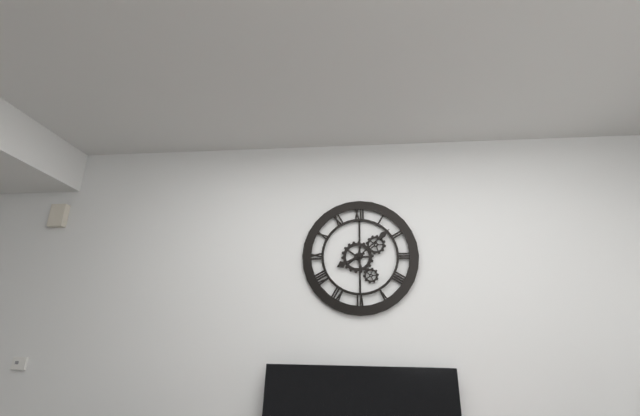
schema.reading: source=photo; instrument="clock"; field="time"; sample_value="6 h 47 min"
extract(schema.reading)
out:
8 h 08 min
